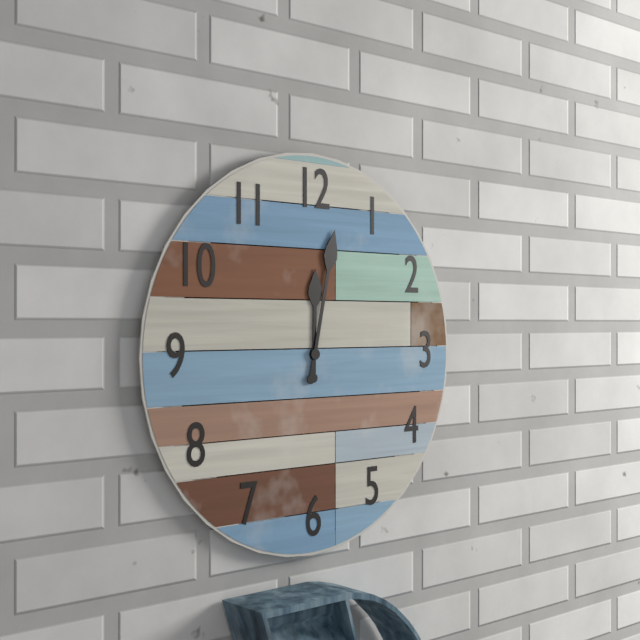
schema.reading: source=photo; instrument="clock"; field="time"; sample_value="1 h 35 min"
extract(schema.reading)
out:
12 h 02 min
